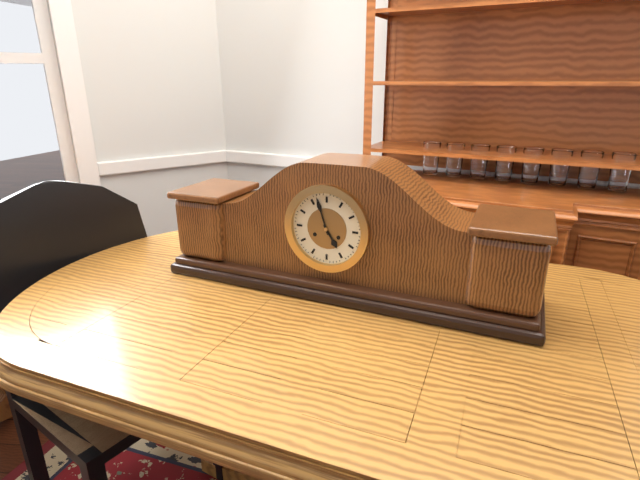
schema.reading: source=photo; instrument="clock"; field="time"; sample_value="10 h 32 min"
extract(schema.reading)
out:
4 h 57 min
